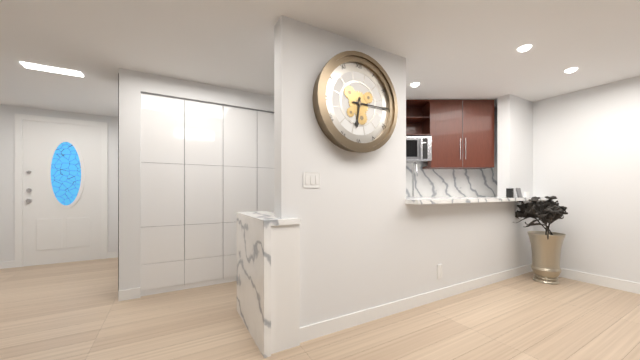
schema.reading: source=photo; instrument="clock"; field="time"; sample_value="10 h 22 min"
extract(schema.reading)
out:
6 h 15 min
